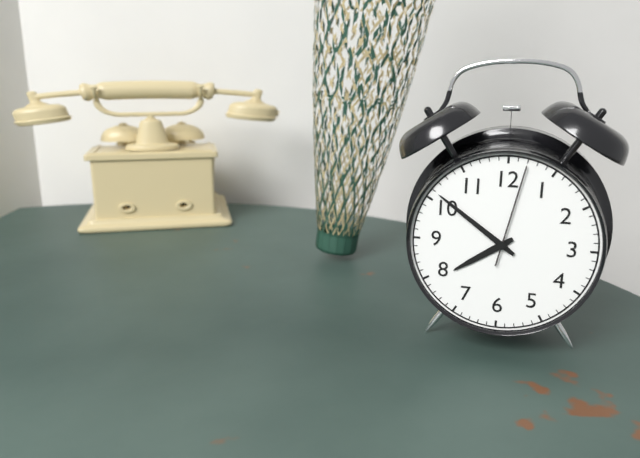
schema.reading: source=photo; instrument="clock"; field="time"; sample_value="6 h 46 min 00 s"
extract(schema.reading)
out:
7 h 51 min 02 s
